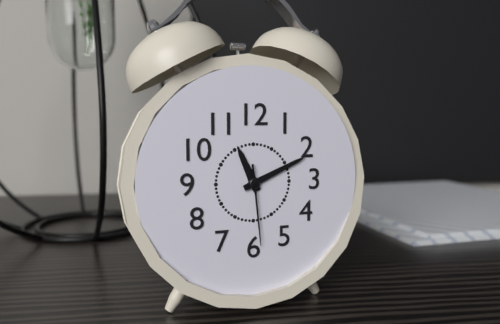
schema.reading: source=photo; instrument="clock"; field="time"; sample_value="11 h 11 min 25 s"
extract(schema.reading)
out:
11 h 11 min 29 s
